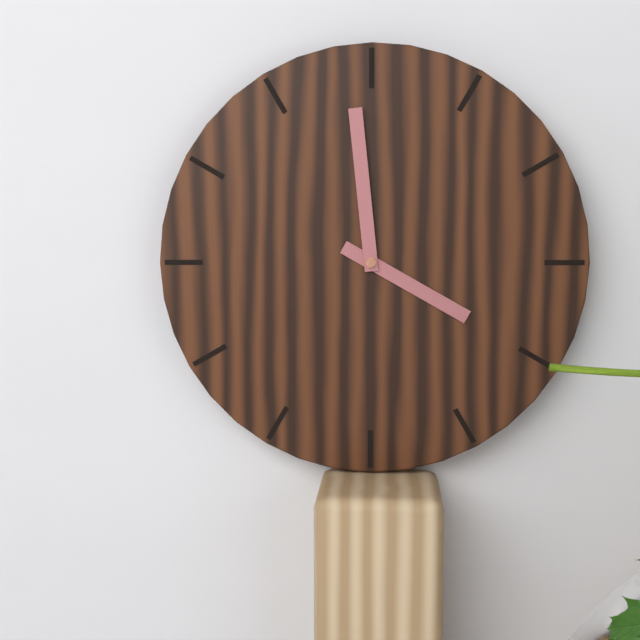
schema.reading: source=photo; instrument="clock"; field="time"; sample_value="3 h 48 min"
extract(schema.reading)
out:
3 h 59 min
